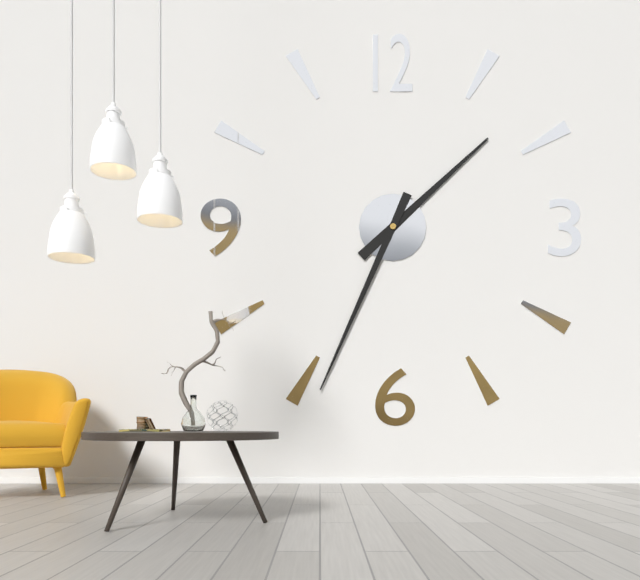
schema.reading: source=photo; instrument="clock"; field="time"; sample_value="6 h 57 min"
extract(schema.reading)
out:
1 h 34 min
